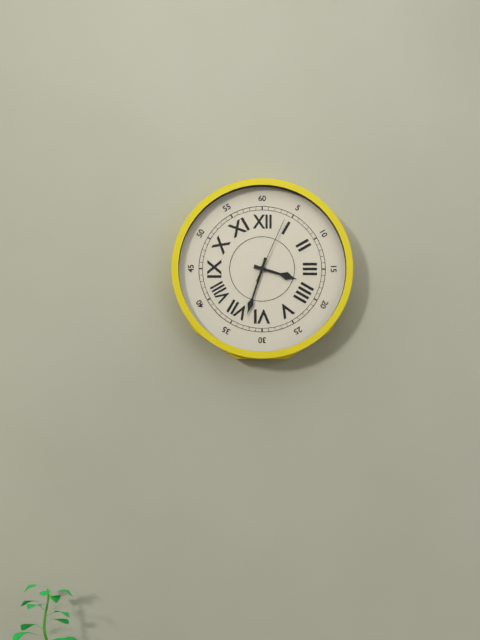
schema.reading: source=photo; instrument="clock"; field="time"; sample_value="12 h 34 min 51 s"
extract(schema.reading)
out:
3 h 33 min 04 s
